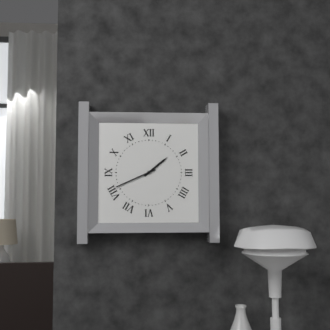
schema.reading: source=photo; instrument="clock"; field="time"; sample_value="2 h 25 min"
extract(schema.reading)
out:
1 h 41 min
